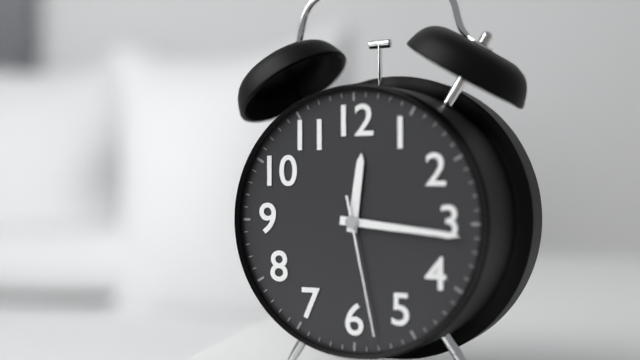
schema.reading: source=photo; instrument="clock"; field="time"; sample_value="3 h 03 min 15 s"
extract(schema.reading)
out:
12 h 16 min 28 s
